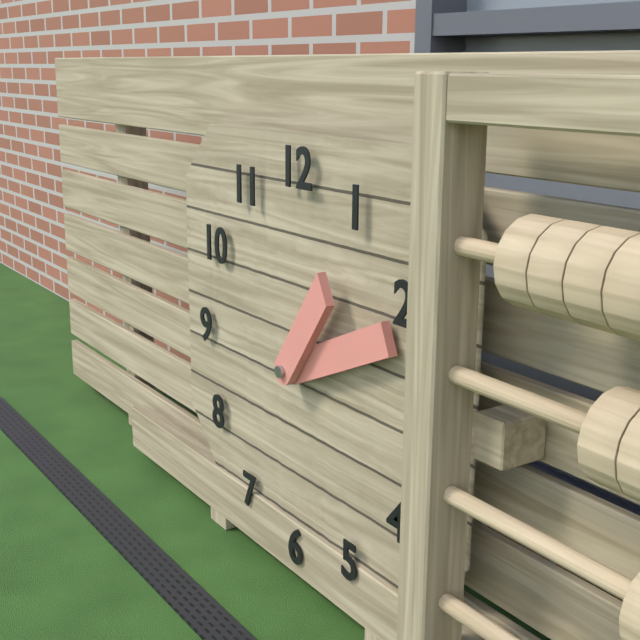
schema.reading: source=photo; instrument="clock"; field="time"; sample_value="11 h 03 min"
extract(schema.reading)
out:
1 h 11 min
